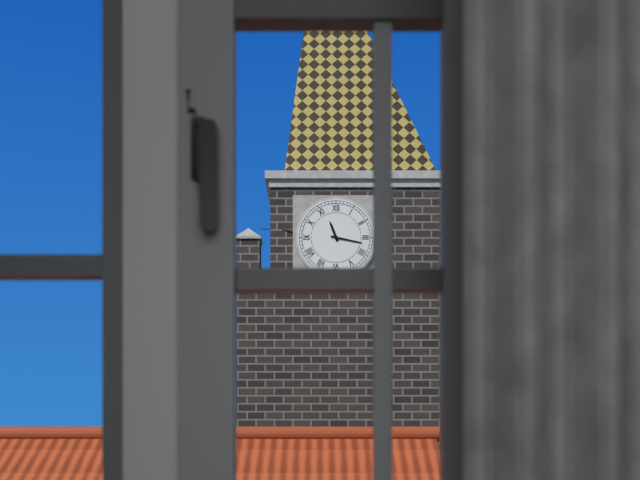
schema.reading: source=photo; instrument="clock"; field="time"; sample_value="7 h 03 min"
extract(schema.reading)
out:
11 h 17 min
